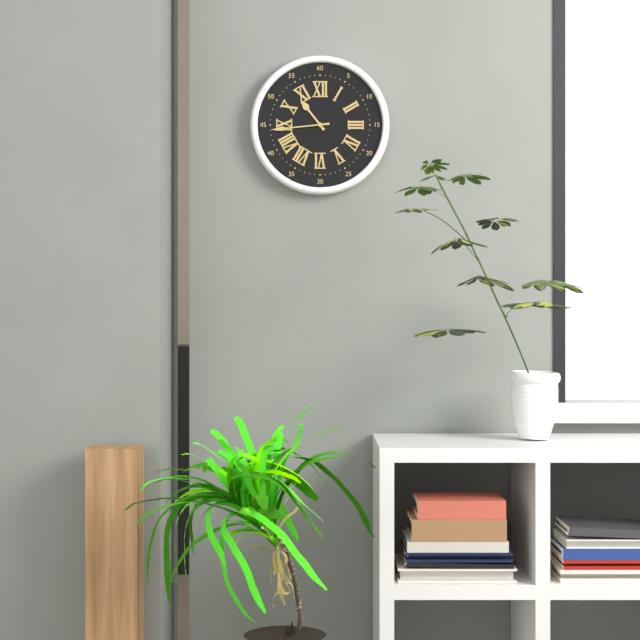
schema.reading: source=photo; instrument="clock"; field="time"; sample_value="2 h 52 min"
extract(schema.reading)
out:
10 h 44 min
